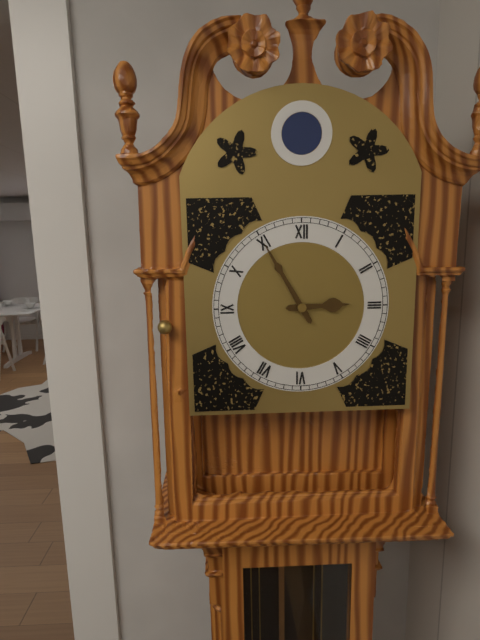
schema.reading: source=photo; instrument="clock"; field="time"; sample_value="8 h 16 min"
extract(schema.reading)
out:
2 h 55 min
